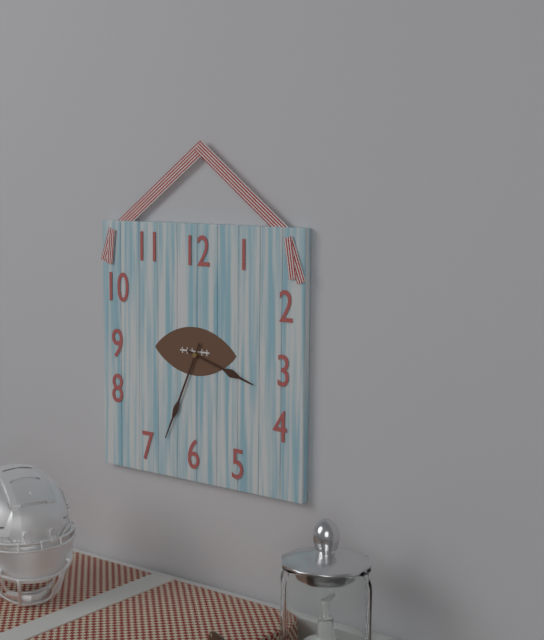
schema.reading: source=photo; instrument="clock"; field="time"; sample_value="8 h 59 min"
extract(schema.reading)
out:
3 h 34 min
